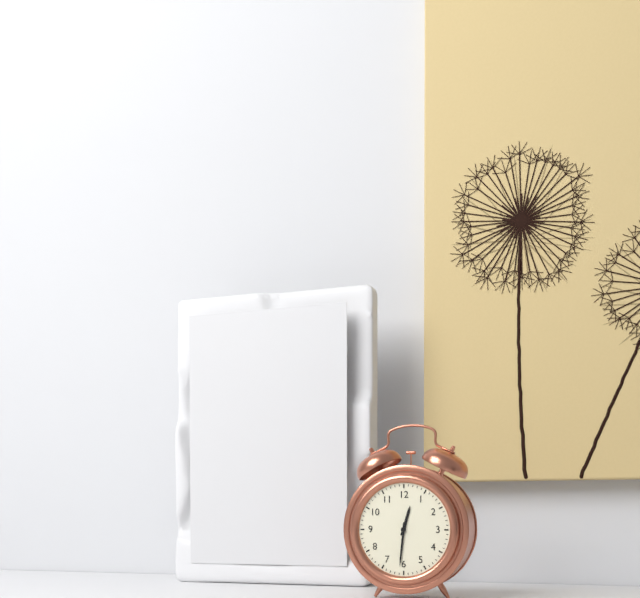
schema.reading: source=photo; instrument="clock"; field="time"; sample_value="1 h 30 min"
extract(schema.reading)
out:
12 h 31 min
